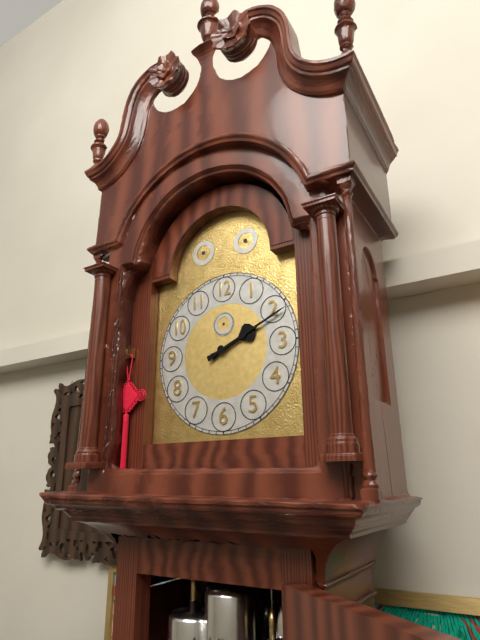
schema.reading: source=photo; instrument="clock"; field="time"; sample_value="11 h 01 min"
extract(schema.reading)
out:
2 h 11 min
